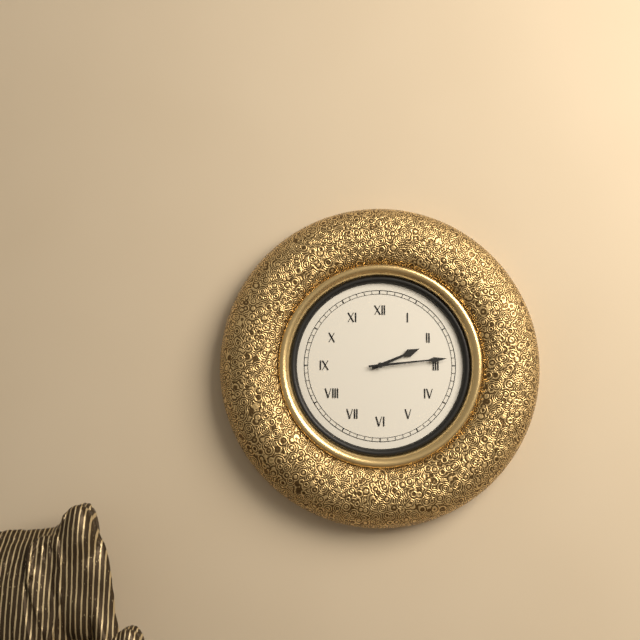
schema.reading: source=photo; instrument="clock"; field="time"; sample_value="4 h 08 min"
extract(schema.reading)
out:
2 h 14 min
